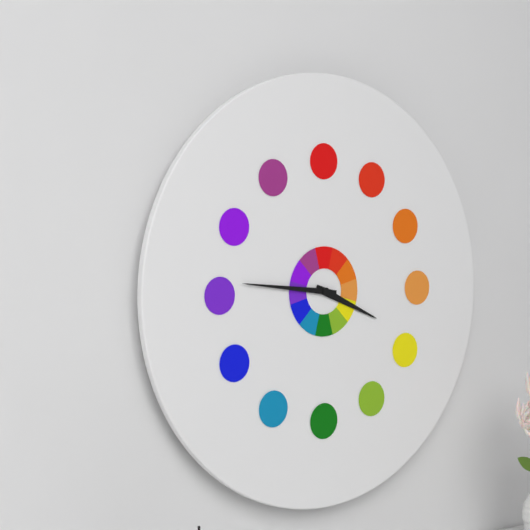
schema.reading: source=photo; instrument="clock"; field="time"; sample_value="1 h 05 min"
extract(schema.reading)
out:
3 h 46 min
